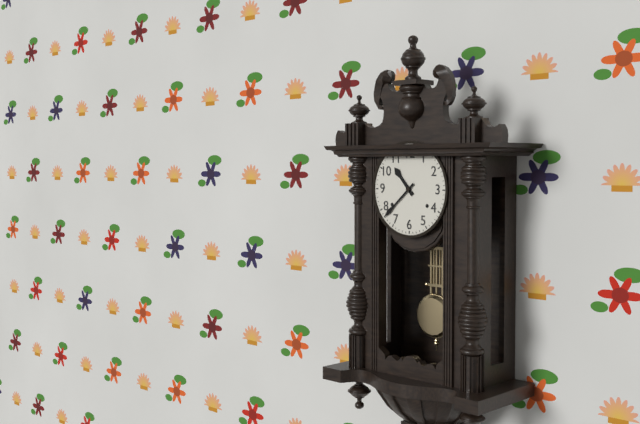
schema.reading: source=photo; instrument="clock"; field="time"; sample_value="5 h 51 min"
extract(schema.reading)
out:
10 h 38 min
